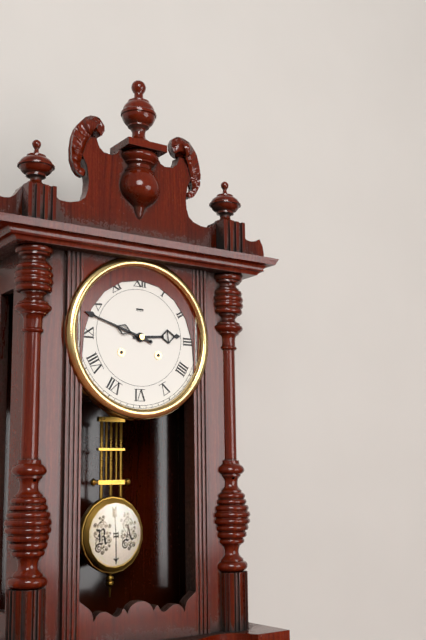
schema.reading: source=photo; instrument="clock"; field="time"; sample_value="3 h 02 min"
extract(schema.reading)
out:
2 h 48 min
